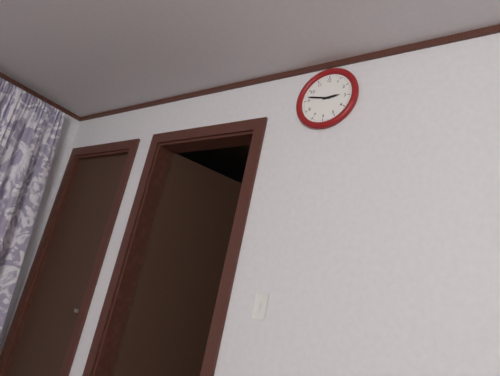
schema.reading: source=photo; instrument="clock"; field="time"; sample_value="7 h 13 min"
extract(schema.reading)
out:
2 h 47 min
